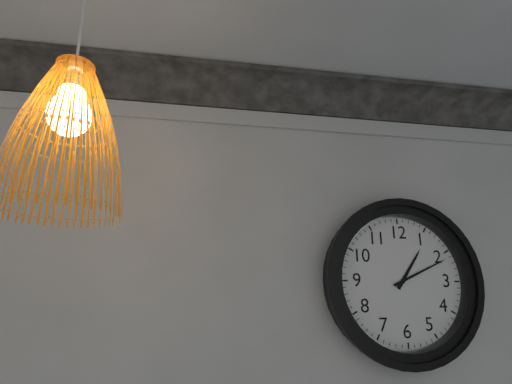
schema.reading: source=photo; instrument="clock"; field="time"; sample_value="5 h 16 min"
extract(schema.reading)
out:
1 h 11 min
